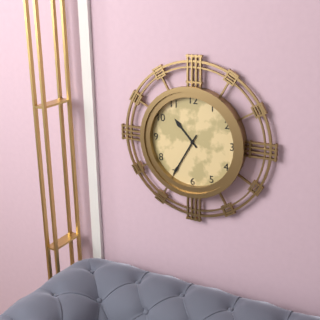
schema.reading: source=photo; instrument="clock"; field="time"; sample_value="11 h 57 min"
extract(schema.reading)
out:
10 h 35 min
